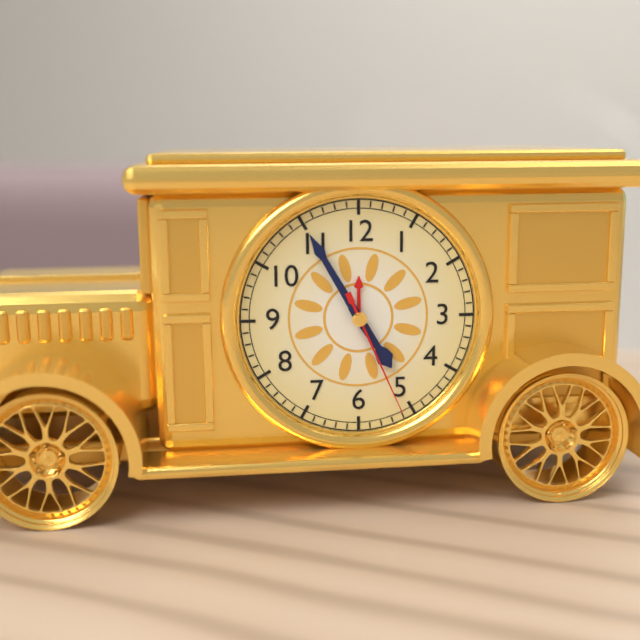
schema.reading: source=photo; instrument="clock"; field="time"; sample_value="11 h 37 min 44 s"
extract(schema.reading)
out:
4 h 55 min 26 s
